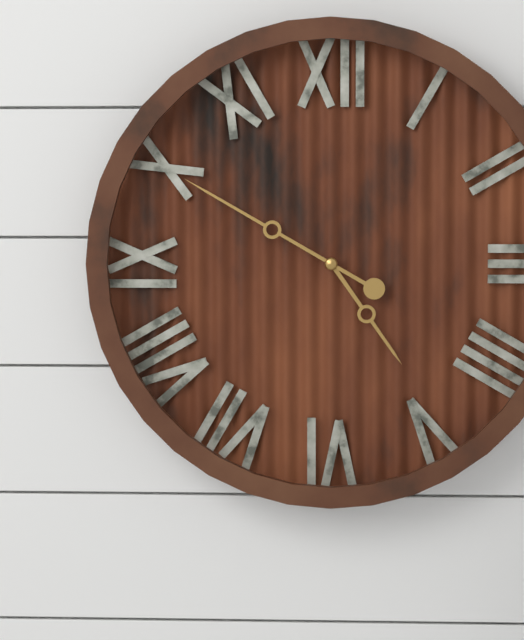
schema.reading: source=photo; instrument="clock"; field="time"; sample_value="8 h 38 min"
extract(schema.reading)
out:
4 h 50 min
